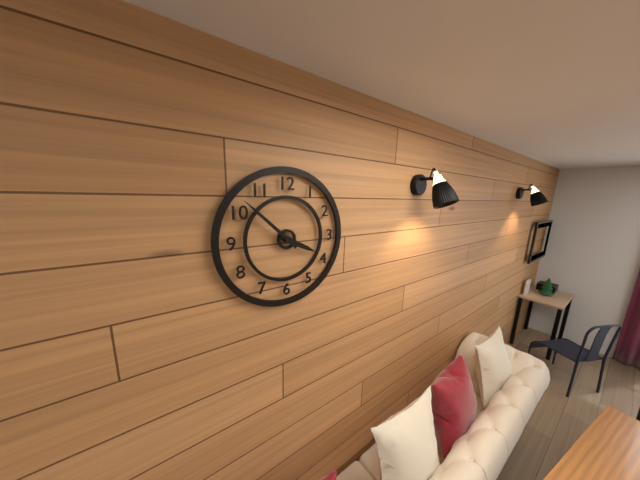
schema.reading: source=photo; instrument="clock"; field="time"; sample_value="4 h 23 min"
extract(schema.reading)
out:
3 h 52 min
